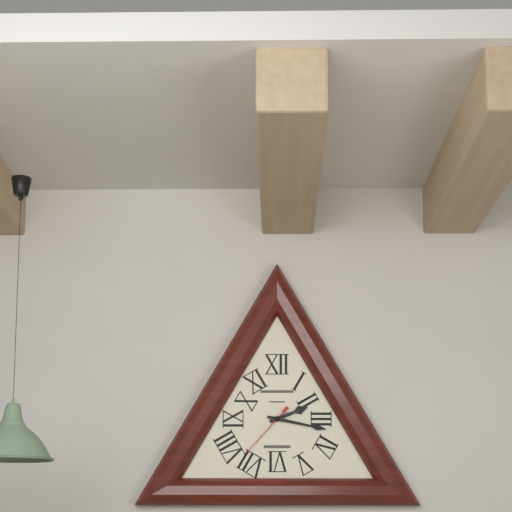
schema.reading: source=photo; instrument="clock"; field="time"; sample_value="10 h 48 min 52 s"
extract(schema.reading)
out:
2 h 17 min 37 s
